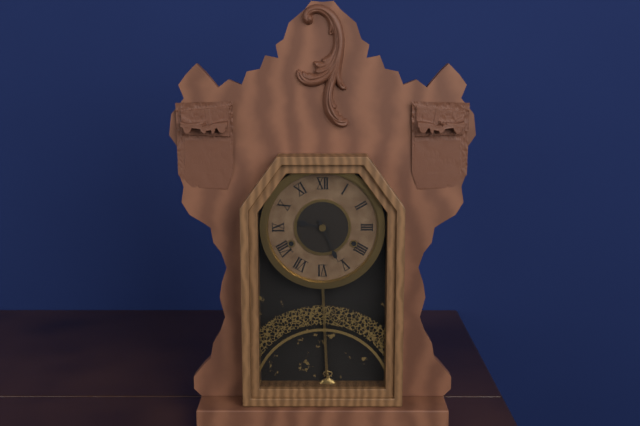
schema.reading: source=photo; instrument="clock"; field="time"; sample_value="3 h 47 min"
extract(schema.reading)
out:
9 h 26 min
